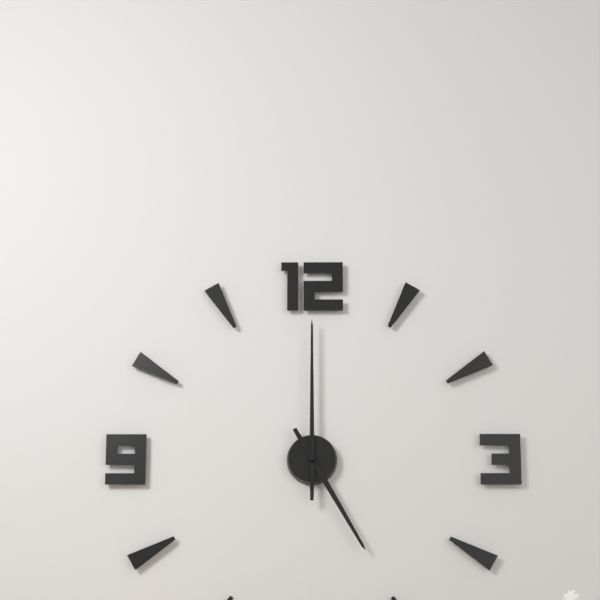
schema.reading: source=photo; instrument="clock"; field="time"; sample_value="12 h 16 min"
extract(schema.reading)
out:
5 h 00 min
